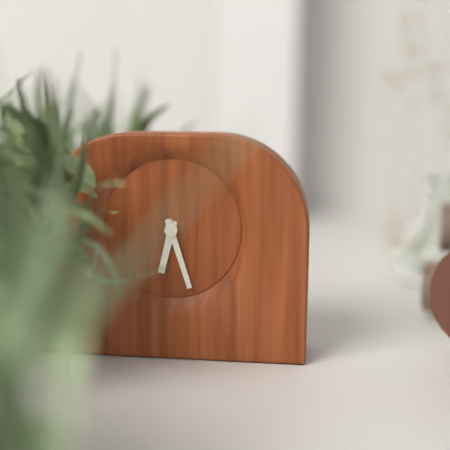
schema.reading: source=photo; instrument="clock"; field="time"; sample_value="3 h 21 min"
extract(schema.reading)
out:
6 h 27 min
